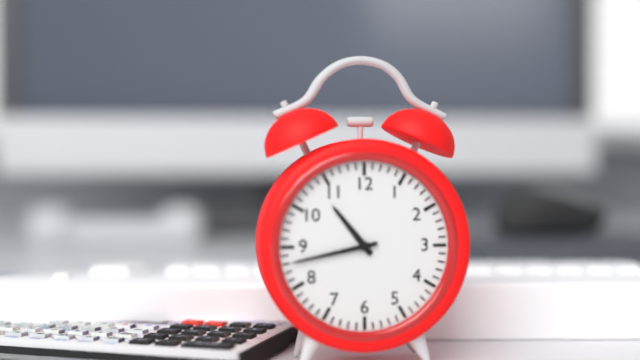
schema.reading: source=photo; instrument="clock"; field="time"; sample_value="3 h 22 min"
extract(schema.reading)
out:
10 h 43 min
